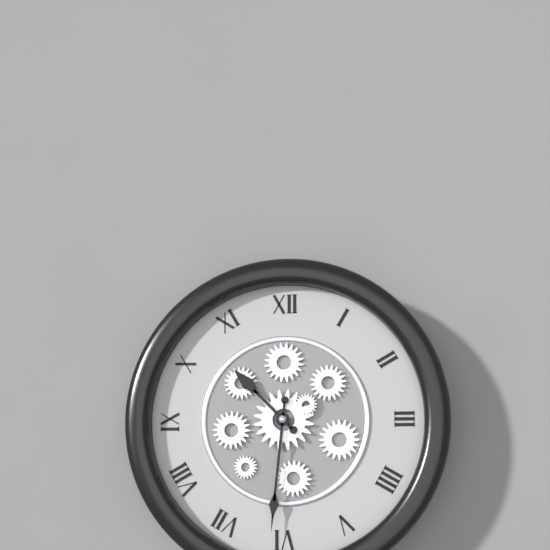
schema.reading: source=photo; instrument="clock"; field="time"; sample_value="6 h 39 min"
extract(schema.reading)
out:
10 h 31 min
